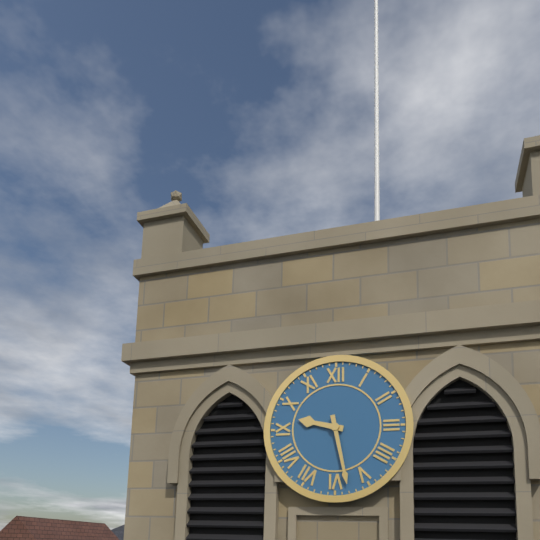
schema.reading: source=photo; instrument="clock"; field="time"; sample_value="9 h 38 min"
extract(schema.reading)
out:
9 h 28 min
